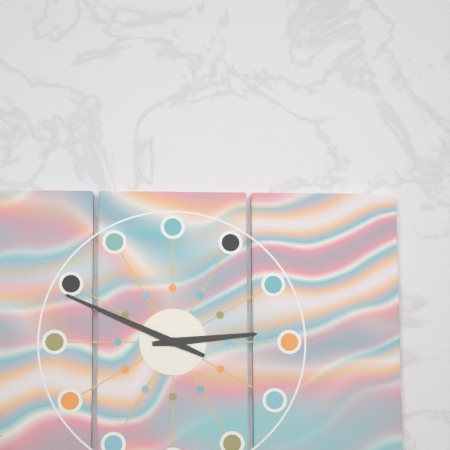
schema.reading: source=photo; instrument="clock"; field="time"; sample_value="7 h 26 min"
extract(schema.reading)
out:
2 h 49 min
